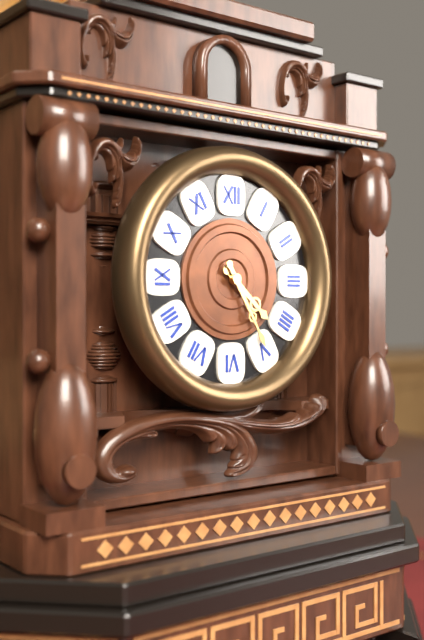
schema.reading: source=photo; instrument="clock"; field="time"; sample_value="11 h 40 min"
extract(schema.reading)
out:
4 h 25 min
